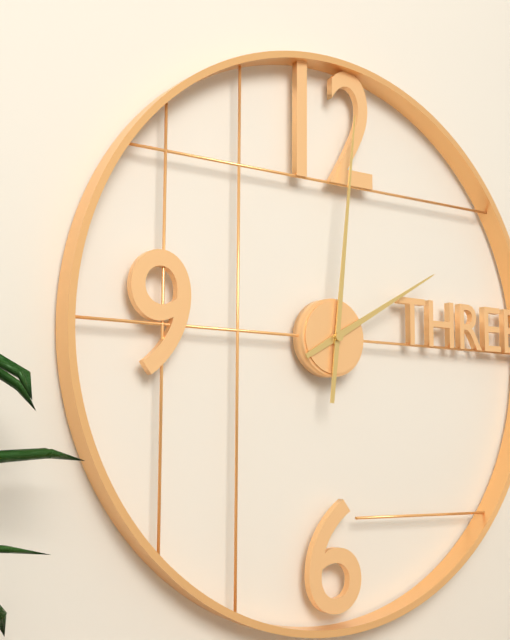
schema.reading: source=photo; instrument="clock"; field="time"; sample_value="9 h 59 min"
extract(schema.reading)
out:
2 h 01 min
